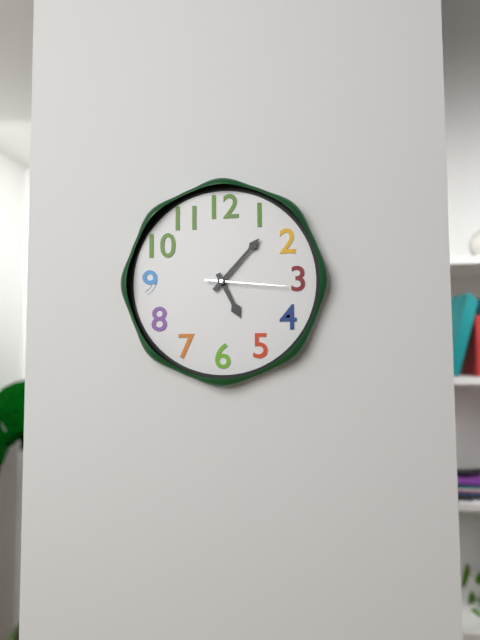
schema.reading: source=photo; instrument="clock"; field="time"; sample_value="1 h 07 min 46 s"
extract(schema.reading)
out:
5 h 07 min 16 s
